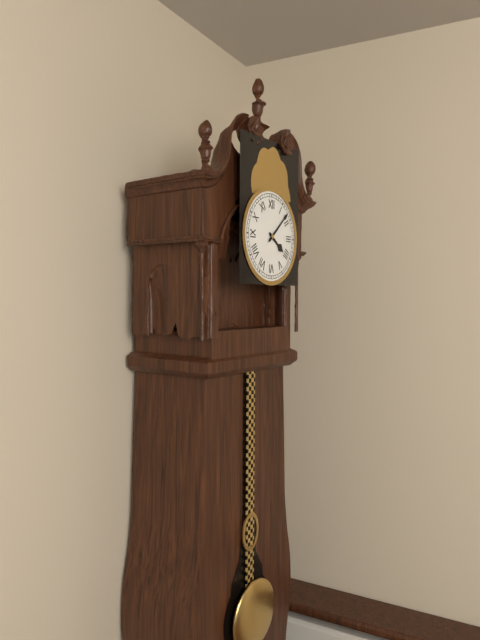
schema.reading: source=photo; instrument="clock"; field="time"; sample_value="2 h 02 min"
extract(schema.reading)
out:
4 h 08 min
